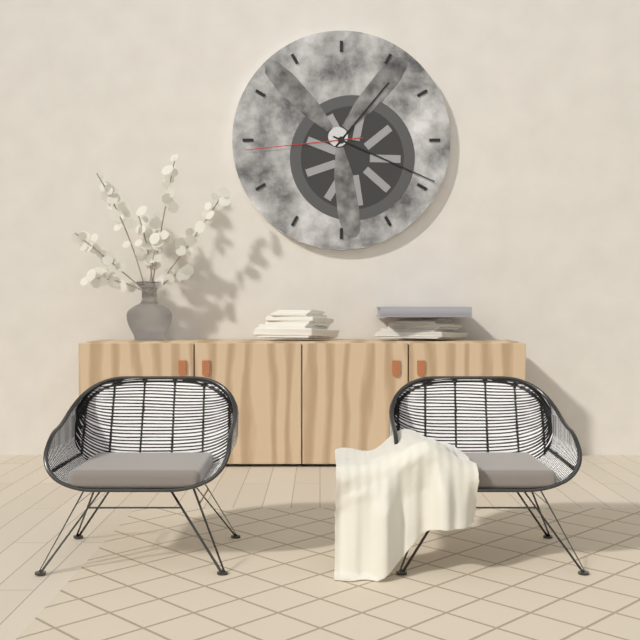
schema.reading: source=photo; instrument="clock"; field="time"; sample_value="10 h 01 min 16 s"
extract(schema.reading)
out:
1 h 19 min 44 s
